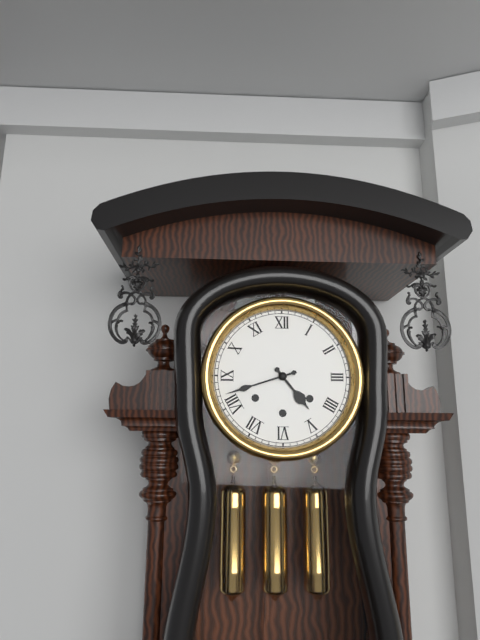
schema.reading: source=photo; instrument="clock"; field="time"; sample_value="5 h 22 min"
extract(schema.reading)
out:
4 h 42 min
